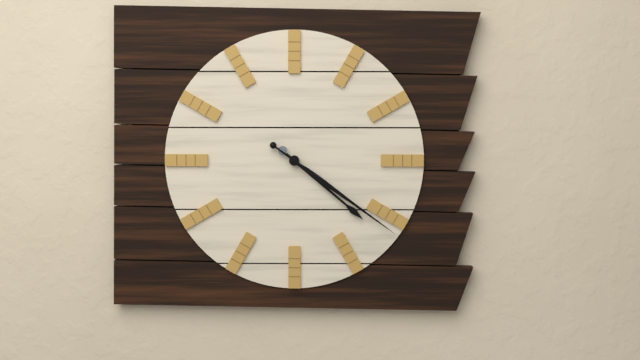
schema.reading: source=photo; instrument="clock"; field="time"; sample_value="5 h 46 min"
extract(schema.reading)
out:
4 h 21 min
